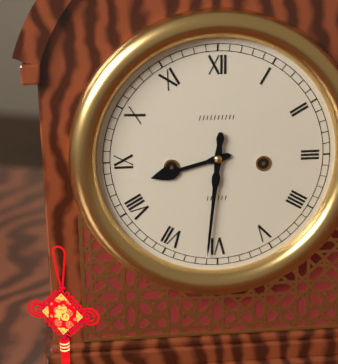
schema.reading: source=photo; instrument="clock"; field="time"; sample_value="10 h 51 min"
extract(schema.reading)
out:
8 h 31 min
